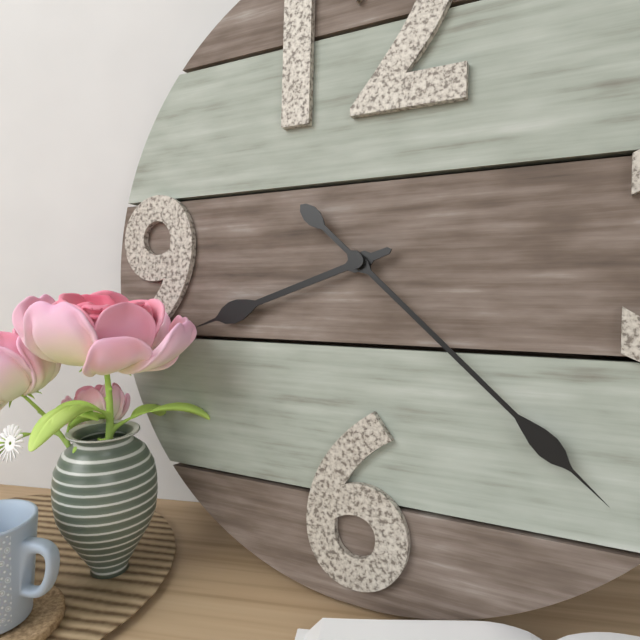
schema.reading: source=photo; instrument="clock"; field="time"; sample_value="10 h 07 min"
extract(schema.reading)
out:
8 h 22 min
